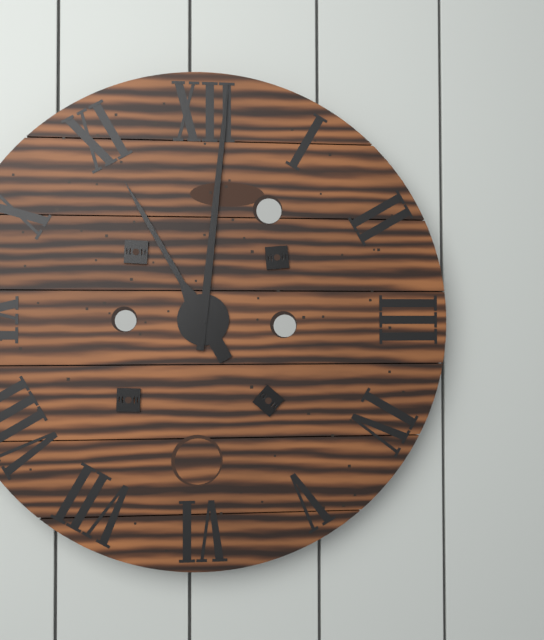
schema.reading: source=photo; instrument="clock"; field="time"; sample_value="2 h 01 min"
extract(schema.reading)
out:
11 h 01 min
